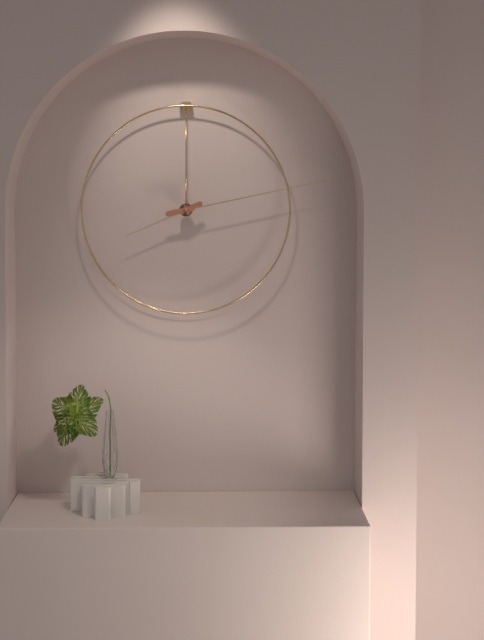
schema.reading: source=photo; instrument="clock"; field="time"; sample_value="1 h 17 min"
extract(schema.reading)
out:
8 h 13 min
